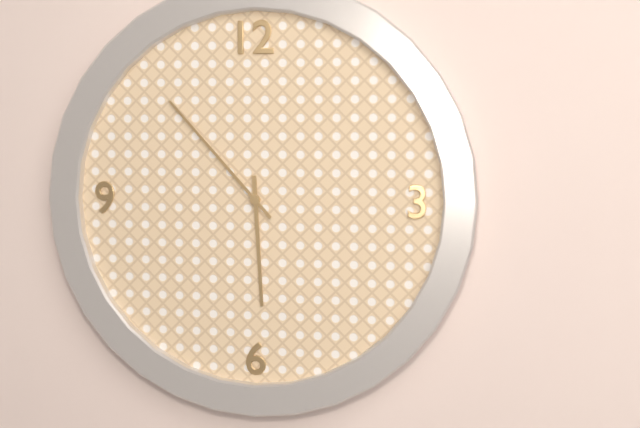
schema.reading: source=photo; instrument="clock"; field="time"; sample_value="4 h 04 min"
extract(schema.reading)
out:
5 h 53 min
